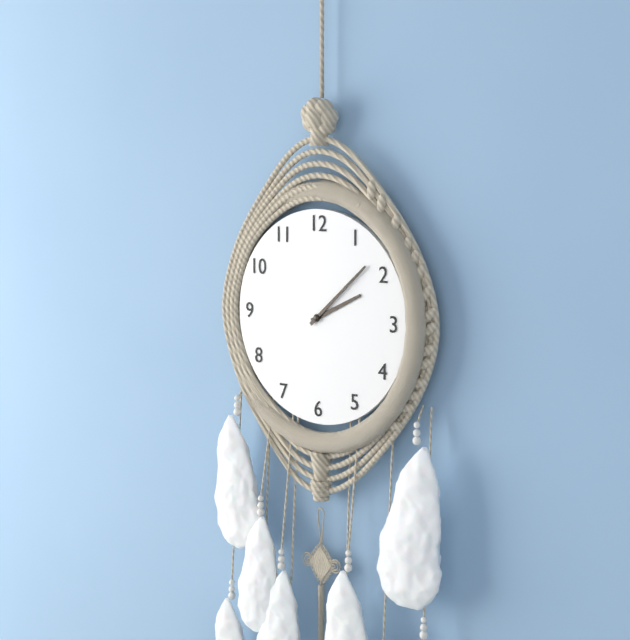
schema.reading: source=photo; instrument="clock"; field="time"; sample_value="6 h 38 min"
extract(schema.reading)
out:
2 h 08 min
